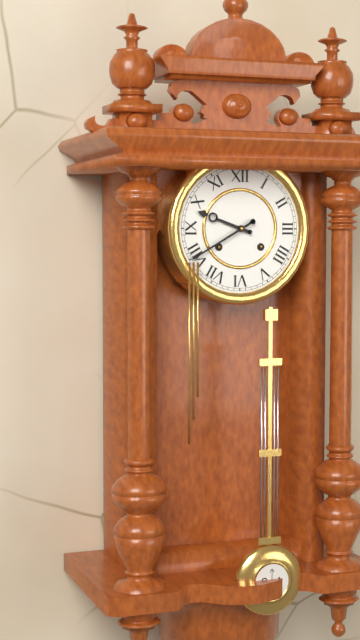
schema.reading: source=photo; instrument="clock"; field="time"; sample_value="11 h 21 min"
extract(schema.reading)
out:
9 h 40 min
